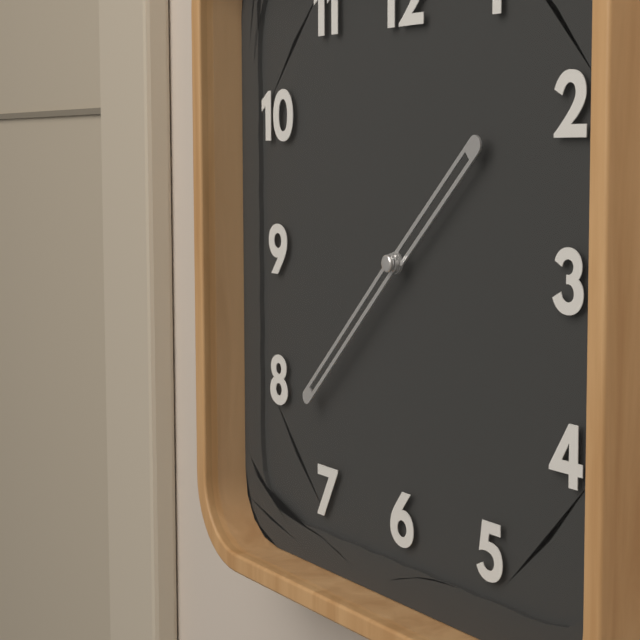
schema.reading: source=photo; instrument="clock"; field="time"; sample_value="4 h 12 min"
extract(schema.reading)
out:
1 h 38 min
